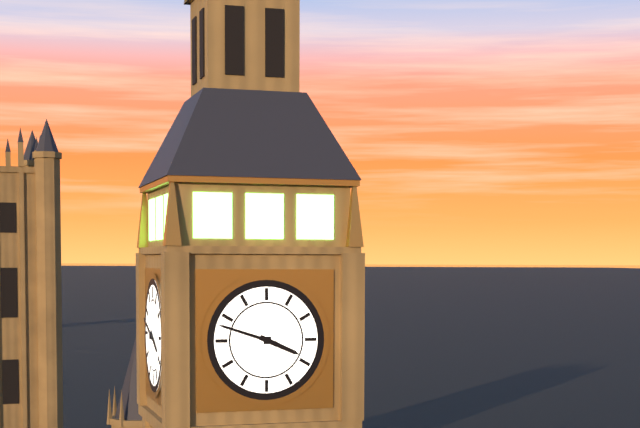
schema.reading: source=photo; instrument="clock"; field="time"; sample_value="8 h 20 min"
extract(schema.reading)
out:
3 h 48 min
